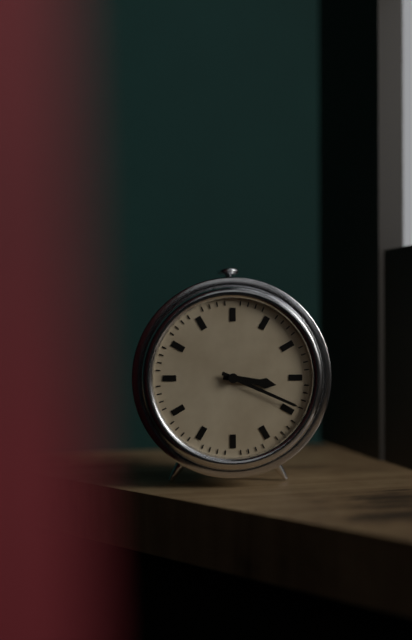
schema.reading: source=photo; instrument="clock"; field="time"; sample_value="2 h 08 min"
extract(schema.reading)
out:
3 h 19 min
